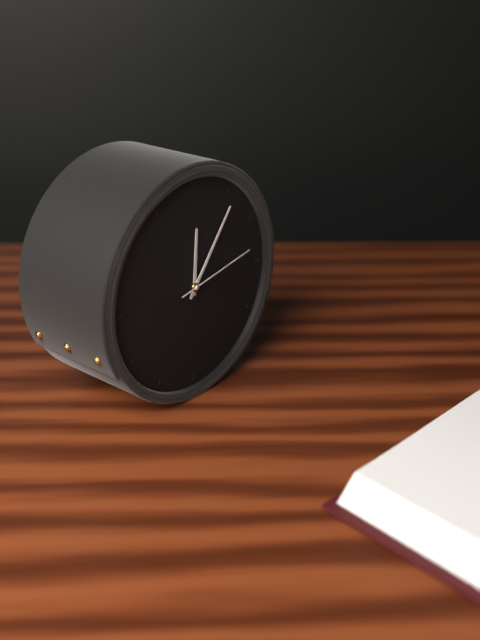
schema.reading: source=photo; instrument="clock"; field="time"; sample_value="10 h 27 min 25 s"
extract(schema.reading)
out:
12 h 06 min 13 s
